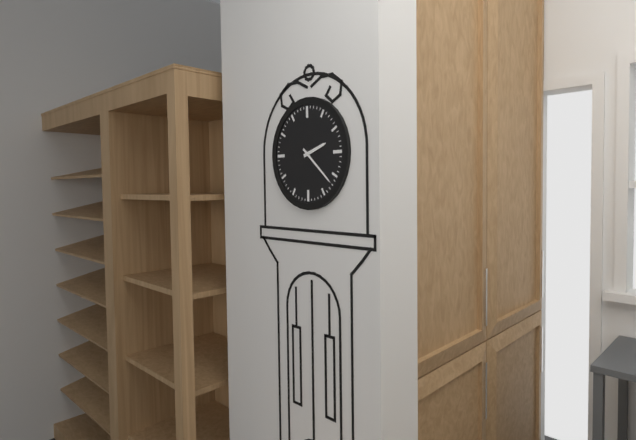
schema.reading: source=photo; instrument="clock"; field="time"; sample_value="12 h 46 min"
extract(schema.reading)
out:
2 h 22 min
